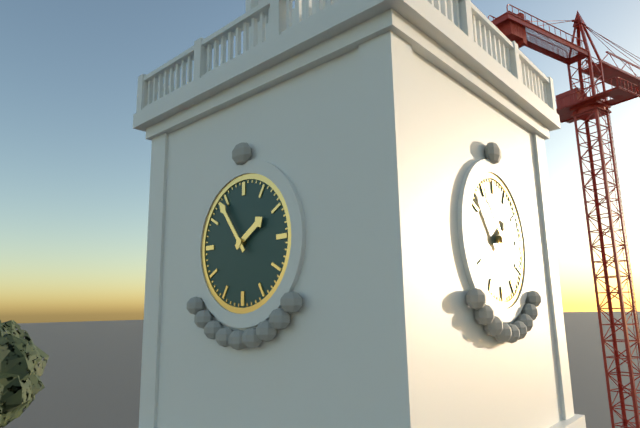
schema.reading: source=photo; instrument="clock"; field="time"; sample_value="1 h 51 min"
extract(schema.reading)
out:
1 h 54 min
